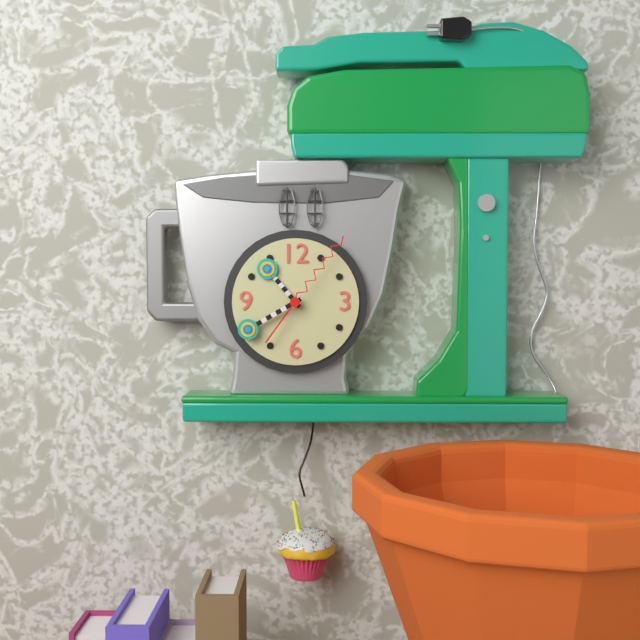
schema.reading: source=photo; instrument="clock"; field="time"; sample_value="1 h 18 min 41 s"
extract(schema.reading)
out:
10 h 40 min 06 s
